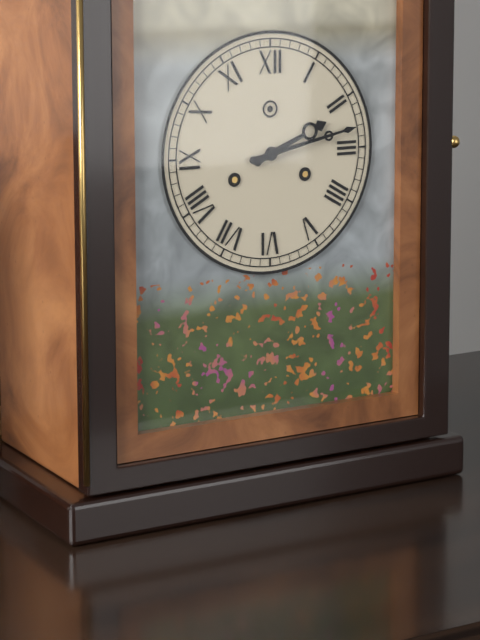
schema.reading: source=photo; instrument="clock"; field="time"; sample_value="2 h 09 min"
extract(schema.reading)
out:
2 h 13 min
